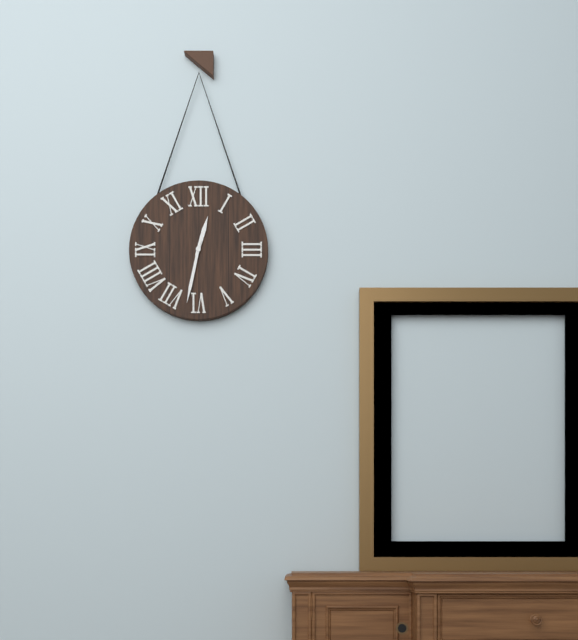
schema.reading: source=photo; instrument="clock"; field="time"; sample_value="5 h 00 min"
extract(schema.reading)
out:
12 h 32 min
